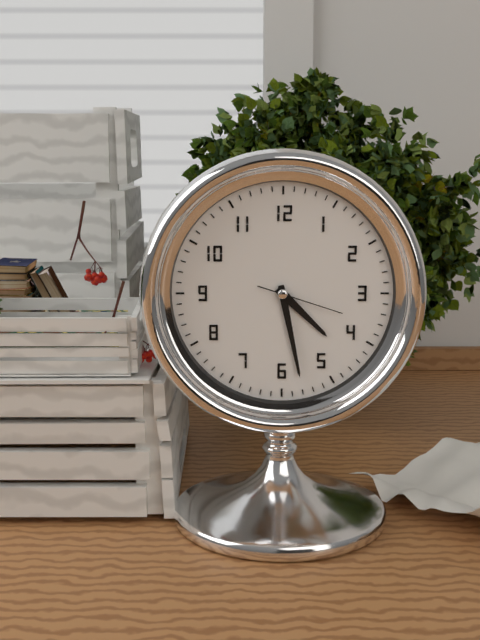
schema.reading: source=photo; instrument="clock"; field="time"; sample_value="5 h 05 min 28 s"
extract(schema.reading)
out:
4 h 28 min 18 s
